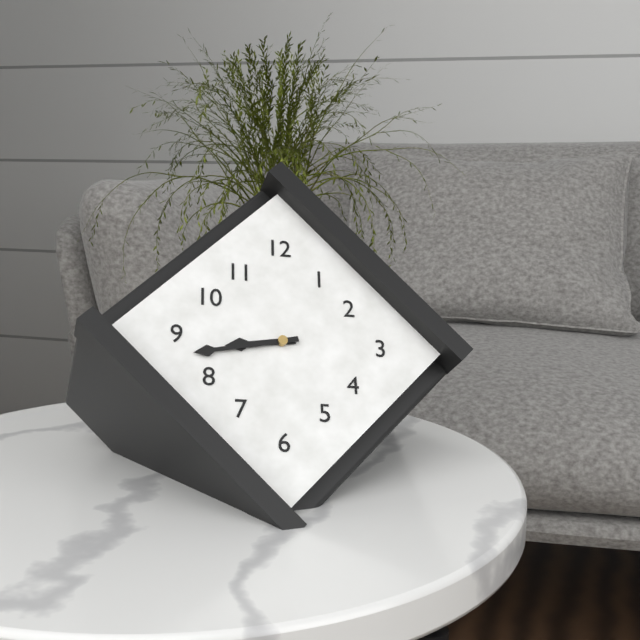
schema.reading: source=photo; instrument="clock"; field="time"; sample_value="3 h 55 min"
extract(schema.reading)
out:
8 h 43 min
